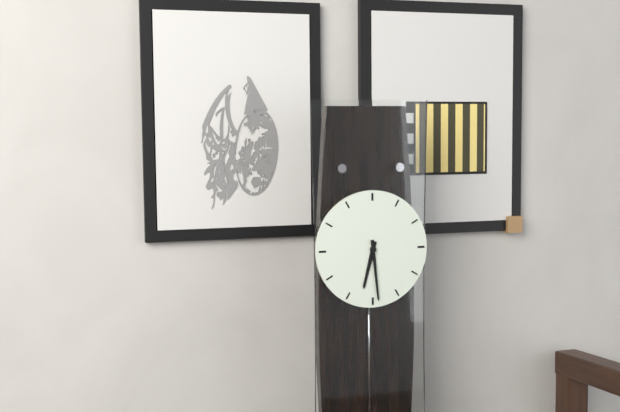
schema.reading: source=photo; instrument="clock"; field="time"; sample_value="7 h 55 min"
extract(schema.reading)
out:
6 h 29 min
